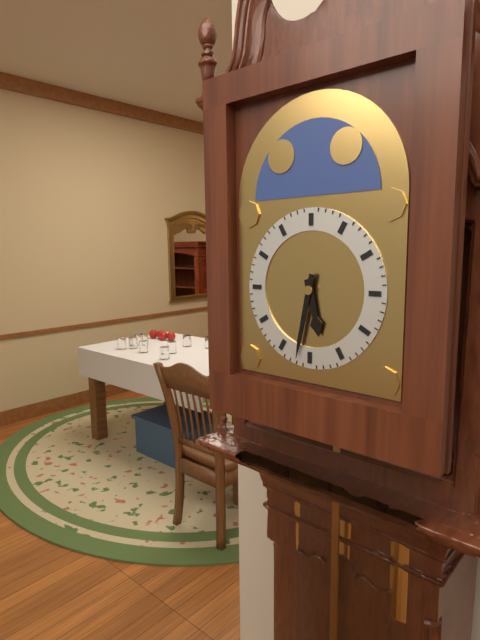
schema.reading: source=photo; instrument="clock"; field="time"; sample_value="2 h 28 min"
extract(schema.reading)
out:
5 h 32 min
